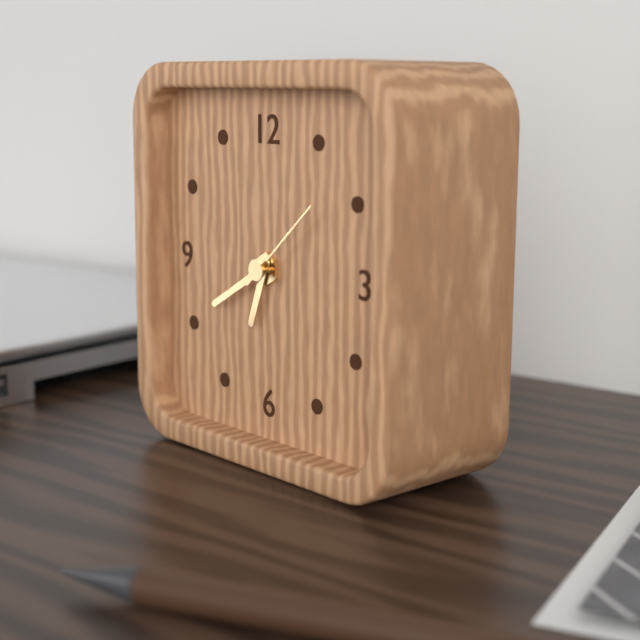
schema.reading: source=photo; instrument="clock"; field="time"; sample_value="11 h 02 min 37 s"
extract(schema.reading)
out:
6 h 40 min 08 s
